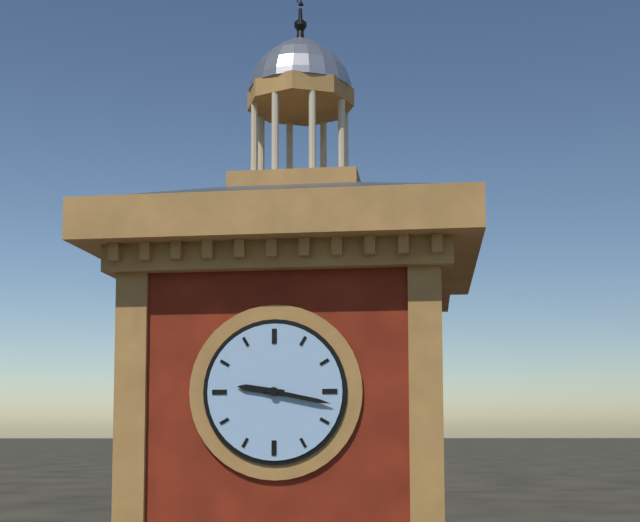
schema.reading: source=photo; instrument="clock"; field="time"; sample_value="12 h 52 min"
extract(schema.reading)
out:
9 h 17 min
